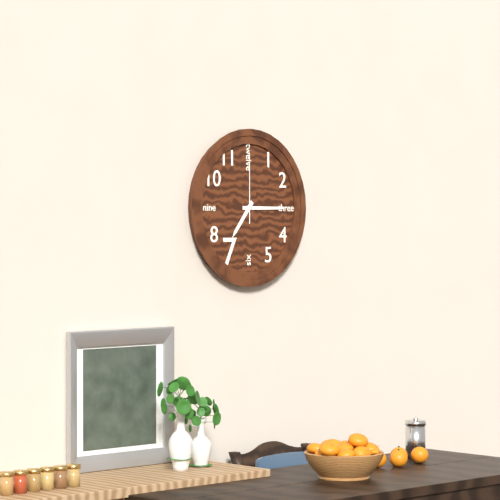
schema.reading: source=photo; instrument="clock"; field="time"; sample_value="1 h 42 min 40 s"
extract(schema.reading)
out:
7 h 15 min 00 s
